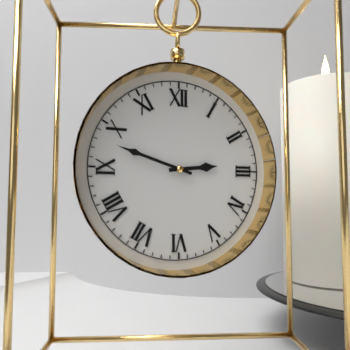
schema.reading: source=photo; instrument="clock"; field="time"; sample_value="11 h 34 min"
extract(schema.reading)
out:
2 h 48 min
